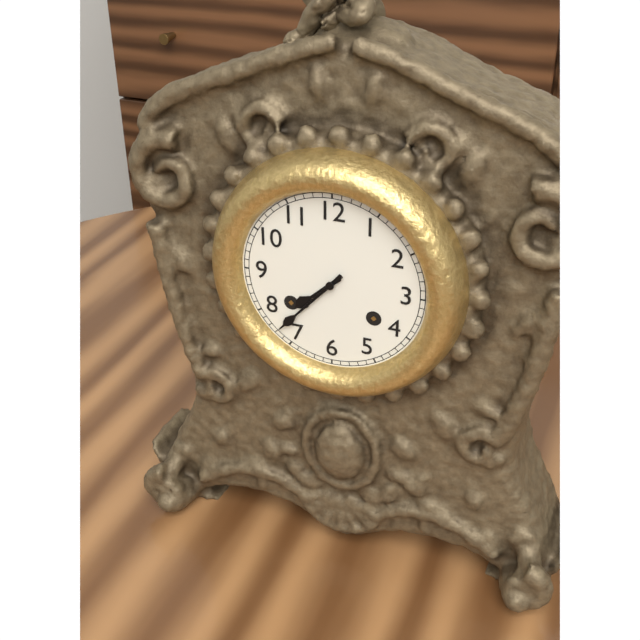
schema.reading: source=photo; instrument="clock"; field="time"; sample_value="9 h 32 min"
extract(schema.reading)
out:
7 h 37 min
